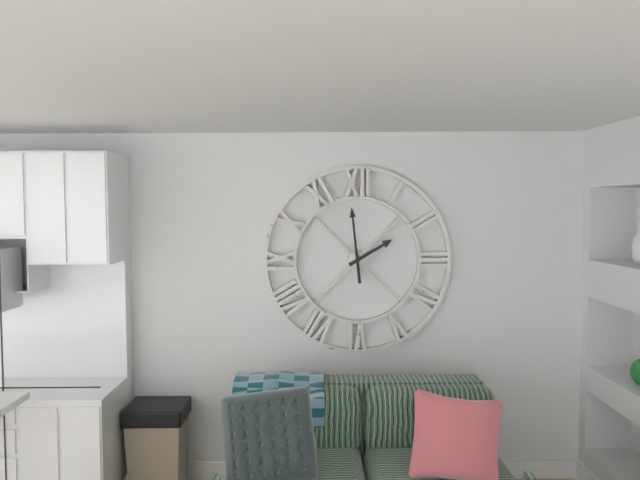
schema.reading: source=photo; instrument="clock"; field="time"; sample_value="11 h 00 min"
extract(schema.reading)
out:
1 h 59 min
